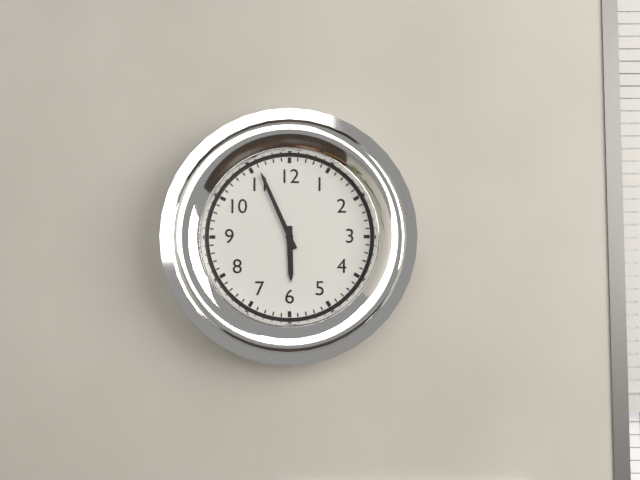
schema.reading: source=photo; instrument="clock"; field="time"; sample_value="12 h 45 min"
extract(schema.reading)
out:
5 h 56 min
